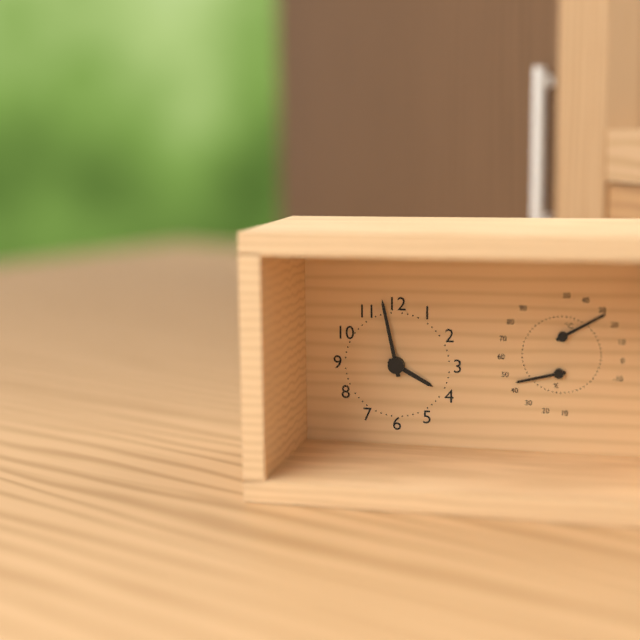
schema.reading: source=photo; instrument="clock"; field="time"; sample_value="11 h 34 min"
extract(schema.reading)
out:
3 h 58 min
